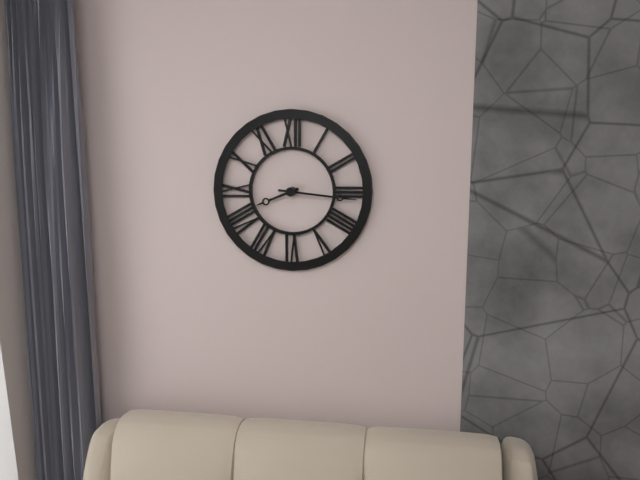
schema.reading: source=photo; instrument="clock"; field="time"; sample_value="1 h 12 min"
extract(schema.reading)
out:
8 h 16 min
